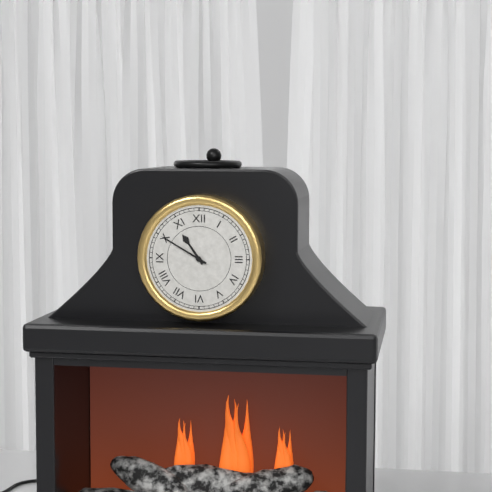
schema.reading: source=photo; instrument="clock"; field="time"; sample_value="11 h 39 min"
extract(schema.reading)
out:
10 h 50 min
